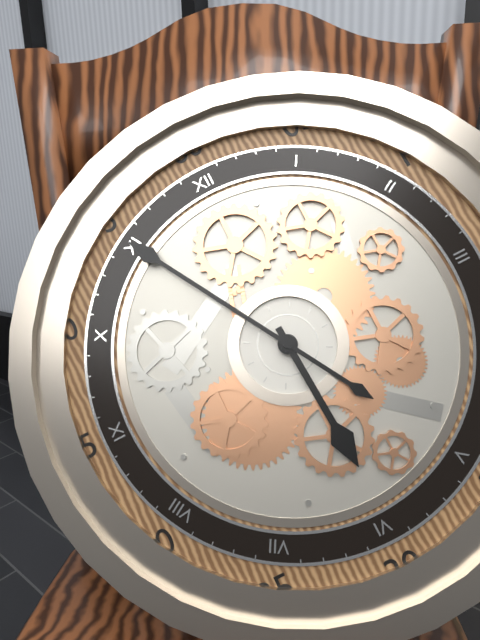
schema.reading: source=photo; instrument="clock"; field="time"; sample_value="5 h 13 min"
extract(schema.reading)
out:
5 h 55 min
